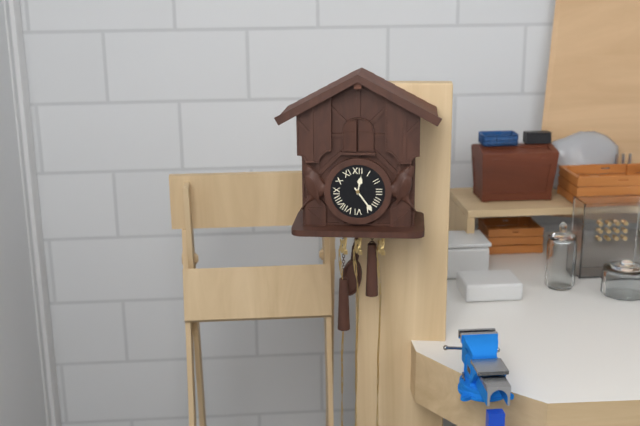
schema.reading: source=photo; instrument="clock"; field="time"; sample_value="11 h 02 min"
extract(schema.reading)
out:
12 h 24 min
